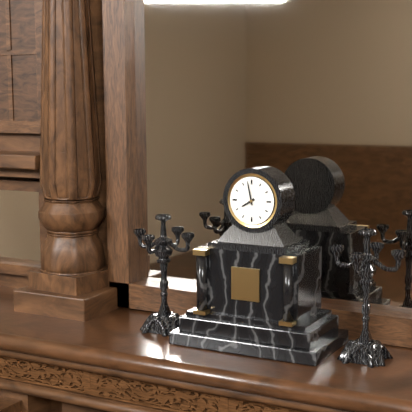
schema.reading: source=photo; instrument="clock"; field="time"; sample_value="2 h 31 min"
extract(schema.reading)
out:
7 h 58 min
